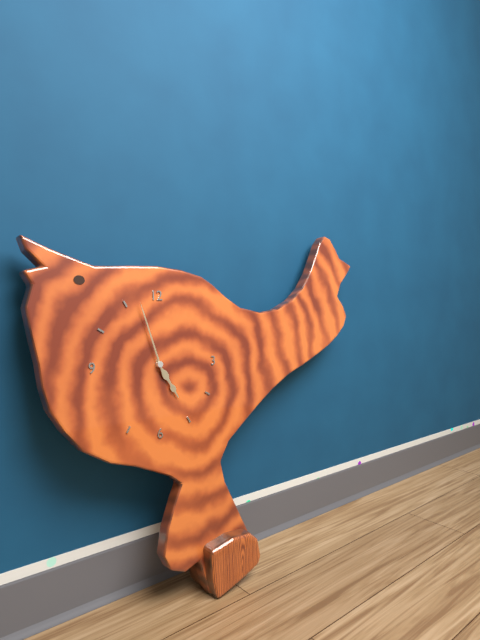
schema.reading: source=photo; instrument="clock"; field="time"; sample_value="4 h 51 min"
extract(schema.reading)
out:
4 h 57 min
